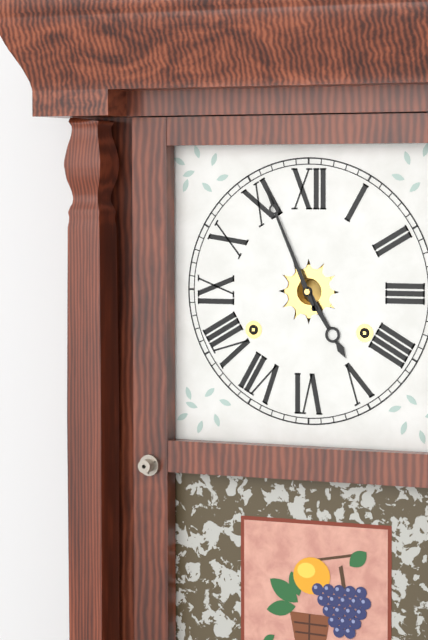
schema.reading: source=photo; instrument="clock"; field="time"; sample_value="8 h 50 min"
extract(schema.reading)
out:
4 h 56 min
